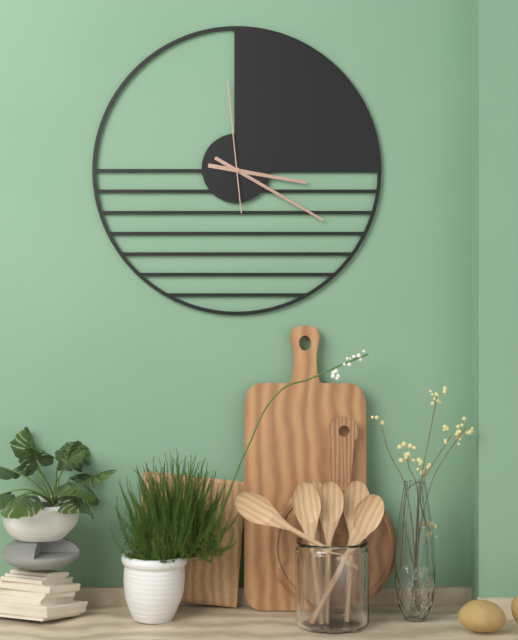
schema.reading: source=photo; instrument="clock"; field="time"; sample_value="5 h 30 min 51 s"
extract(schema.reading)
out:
3 h 20 min 59 s
